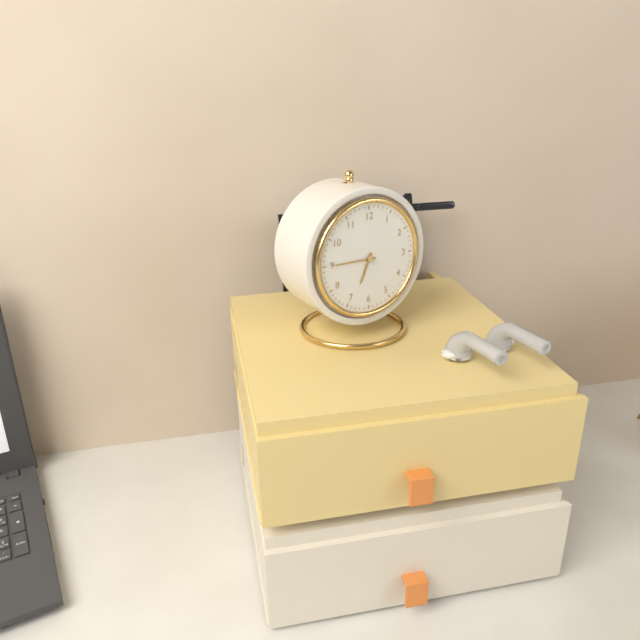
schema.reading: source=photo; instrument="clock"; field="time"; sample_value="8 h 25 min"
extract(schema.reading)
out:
6 h 45 min
